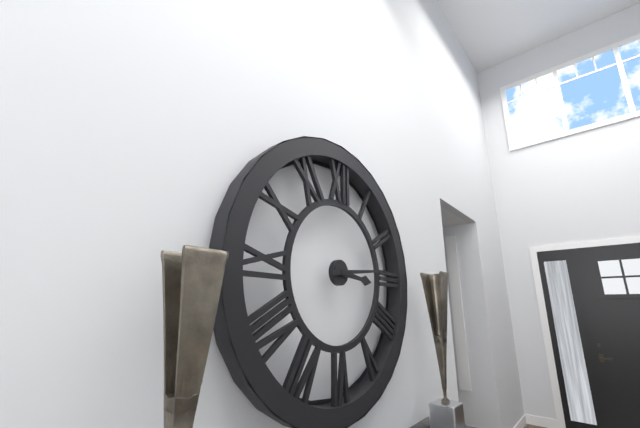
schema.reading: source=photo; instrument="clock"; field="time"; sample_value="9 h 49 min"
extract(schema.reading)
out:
3 h 14 min
